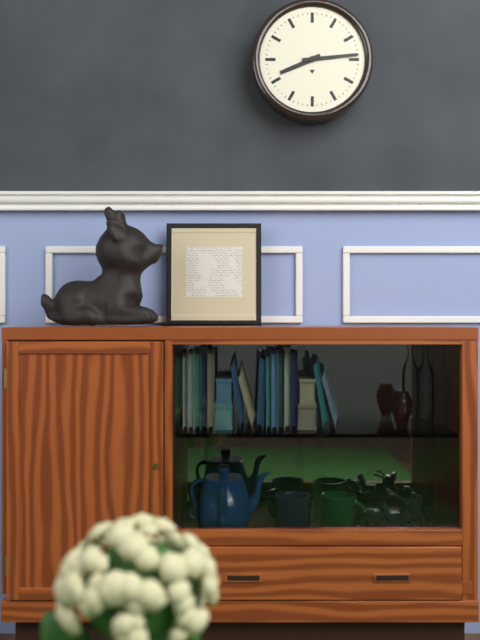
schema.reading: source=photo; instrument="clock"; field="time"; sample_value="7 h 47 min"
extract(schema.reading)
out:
8 h 14 min
